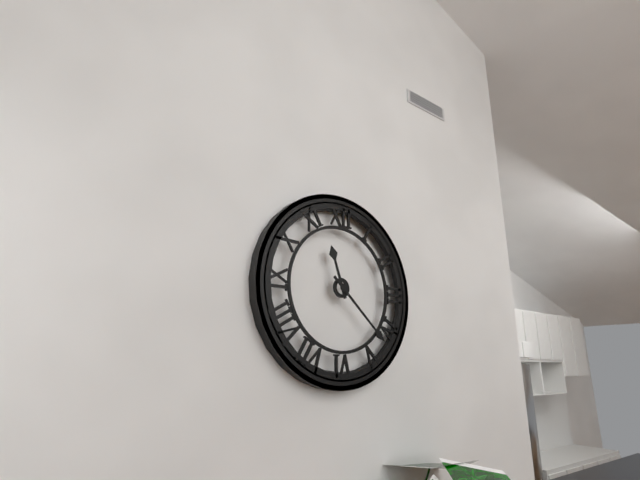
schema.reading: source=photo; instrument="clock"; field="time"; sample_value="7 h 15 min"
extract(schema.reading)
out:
11 h 22 min
